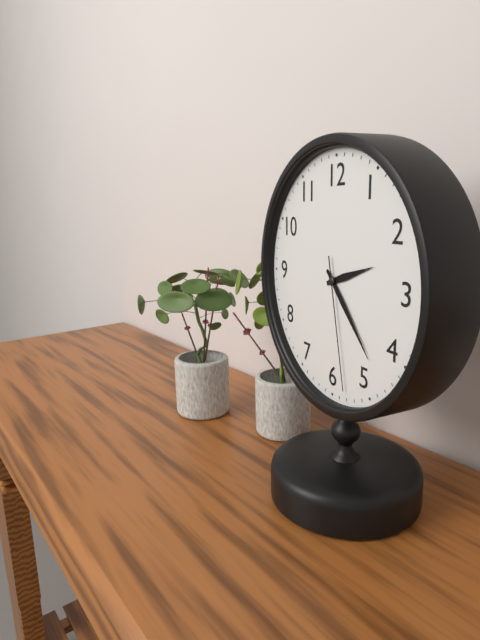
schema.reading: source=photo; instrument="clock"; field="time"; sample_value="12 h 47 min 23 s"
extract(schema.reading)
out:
2 h 23 min 28 s
